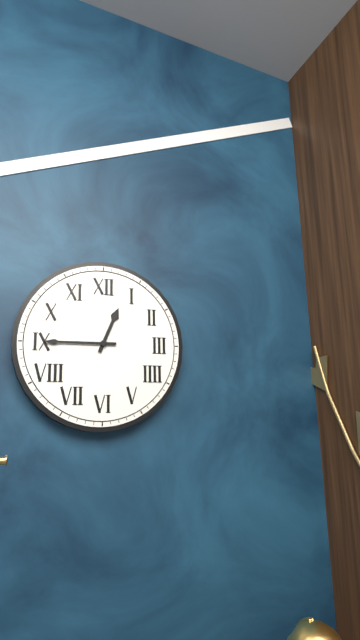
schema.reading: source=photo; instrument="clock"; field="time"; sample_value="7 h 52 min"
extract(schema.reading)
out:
12 h 45 min
